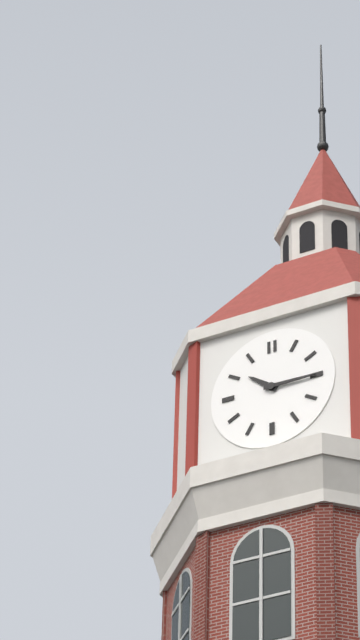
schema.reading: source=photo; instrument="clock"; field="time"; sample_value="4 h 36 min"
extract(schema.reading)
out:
10 h 15 min
